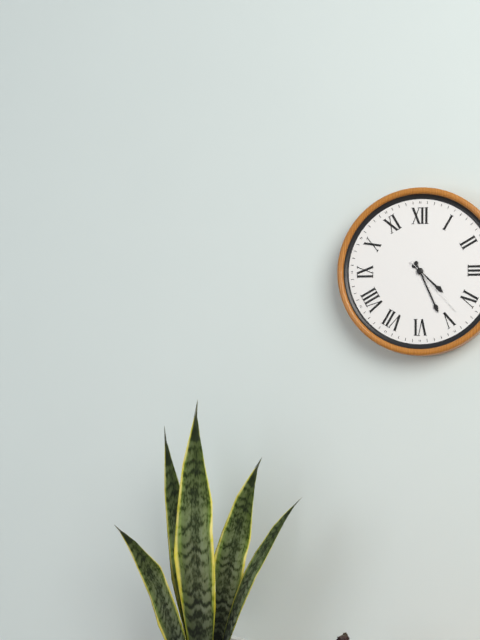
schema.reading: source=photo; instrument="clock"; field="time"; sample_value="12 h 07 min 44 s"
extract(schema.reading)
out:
4 h 26 min 23 s
